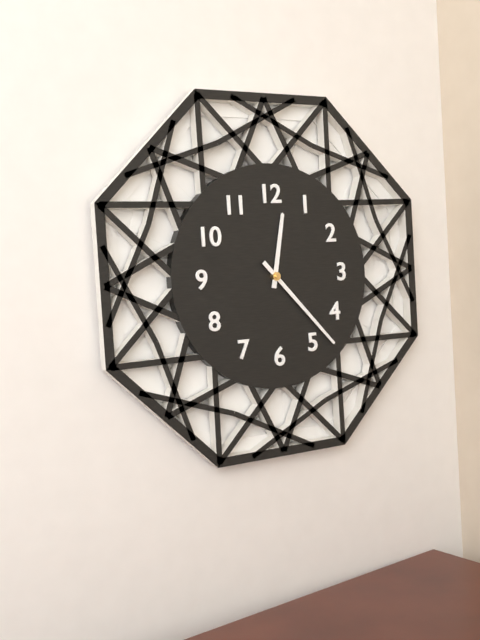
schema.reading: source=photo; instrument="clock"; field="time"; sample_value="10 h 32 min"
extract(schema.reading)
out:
12 h 23 min
